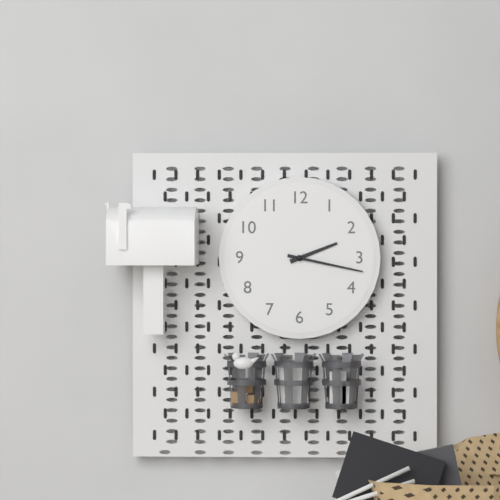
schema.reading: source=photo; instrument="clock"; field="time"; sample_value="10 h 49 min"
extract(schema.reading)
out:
2 h 17 min
